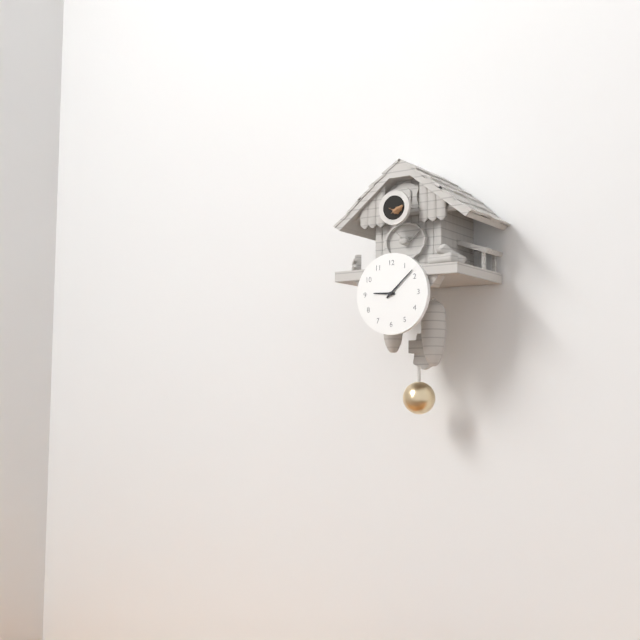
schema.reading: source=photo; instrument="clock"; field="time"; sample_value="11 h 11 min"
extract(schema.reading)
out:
9 h 08 min
